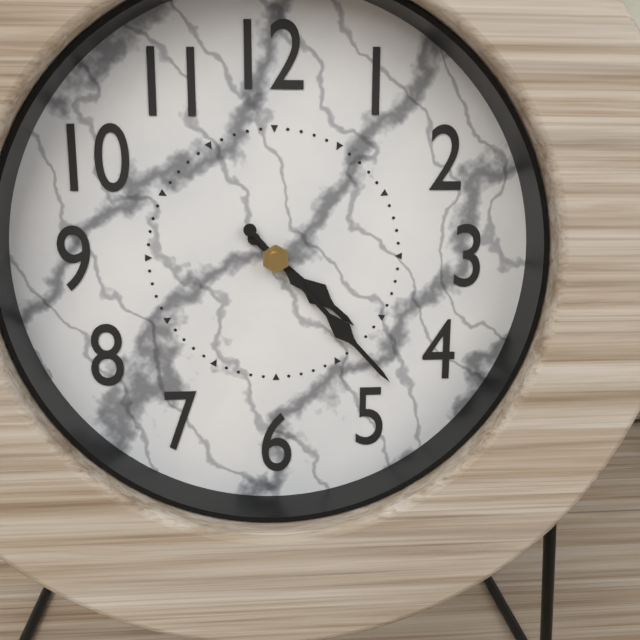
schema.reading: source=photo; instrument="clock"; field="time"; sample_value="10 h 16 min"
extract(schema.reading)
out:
4 h 23 min
